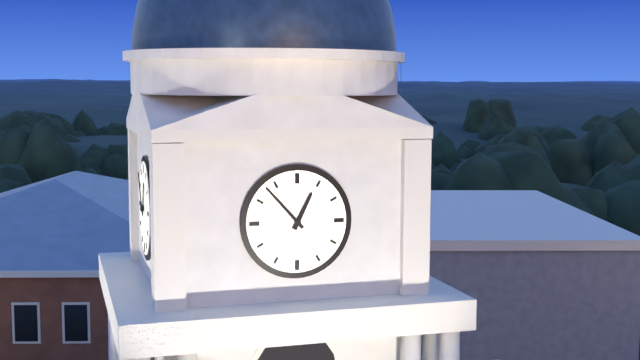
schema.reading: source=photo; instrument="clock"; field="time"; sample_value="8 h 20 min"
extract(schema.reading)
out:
12 h 53 min
